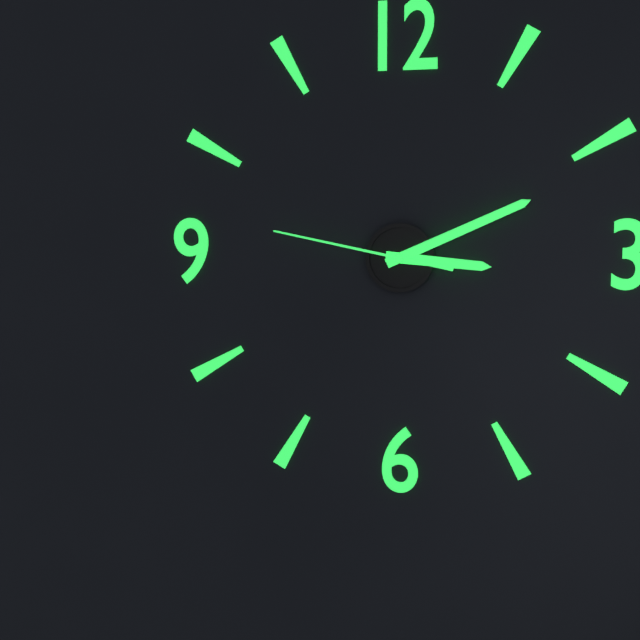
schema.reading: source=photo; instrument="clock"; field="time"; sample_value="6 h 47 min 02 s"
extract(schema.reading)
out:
3 h 11 min 47 s
